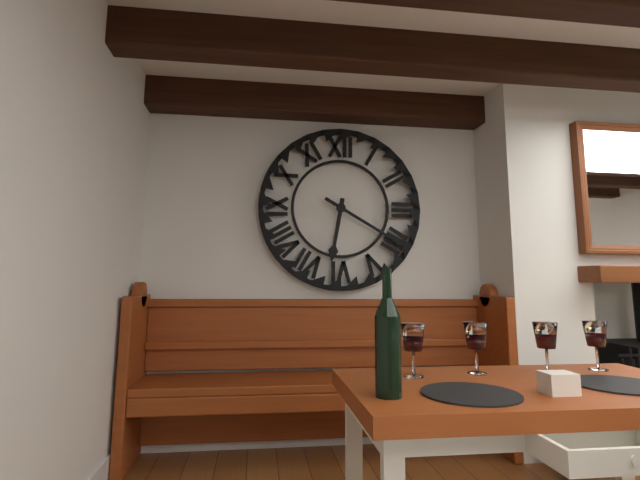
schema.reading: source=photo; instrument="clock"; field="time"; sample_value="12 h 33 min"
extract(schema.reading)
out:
6 h 20 min
